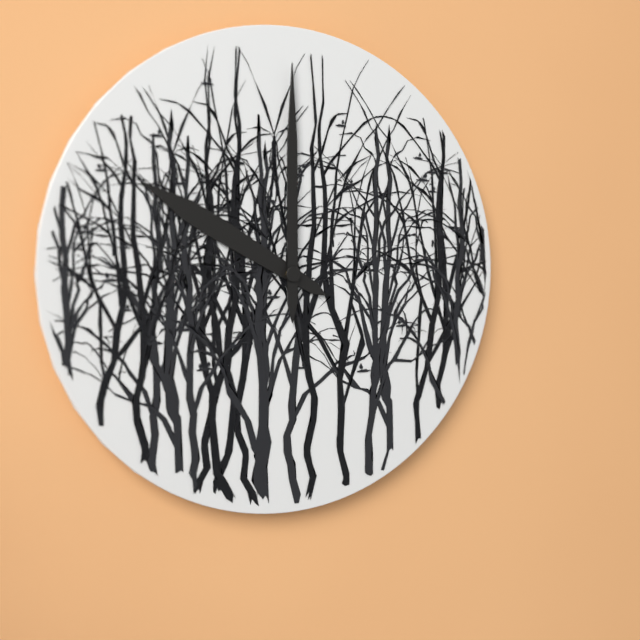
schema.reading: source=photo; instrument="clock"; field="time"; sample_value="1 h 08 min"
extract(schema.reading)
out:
10 h 00 min
